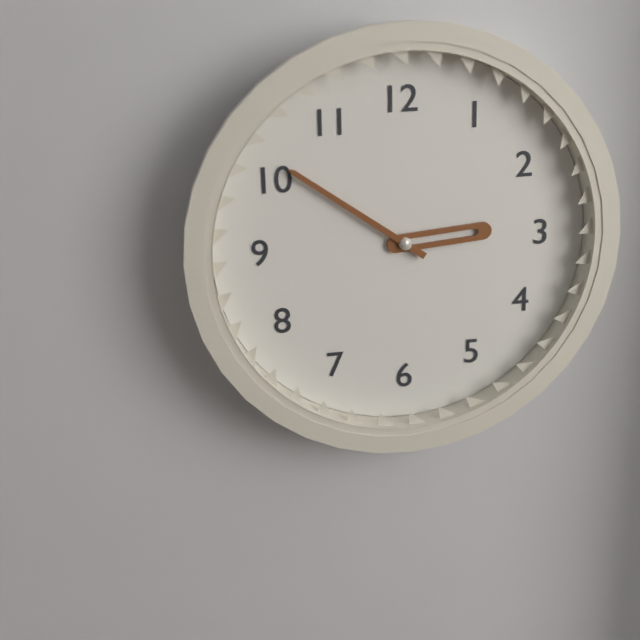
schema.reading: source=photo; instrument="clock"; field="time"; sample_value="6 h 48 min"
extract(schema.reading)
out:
2 h 51 min
